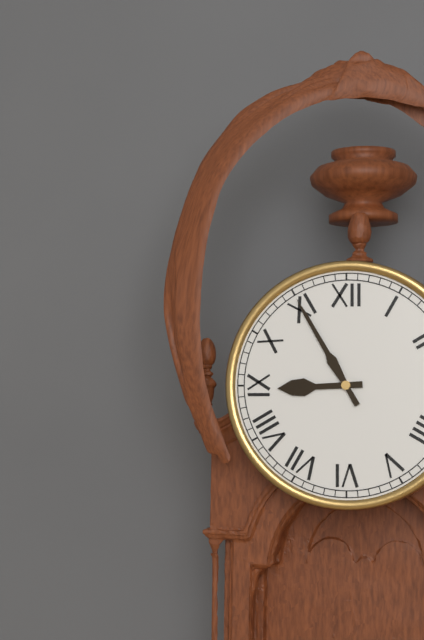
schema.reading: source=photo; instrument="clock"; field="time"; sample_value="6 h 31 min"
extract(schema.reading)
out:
8 h 55 min
